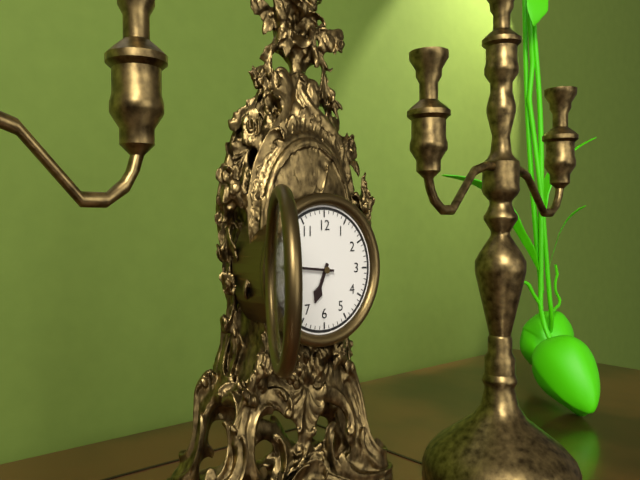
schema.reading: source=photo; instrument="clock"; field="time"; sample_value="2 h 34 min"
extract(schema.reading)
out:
6 h 46 min
